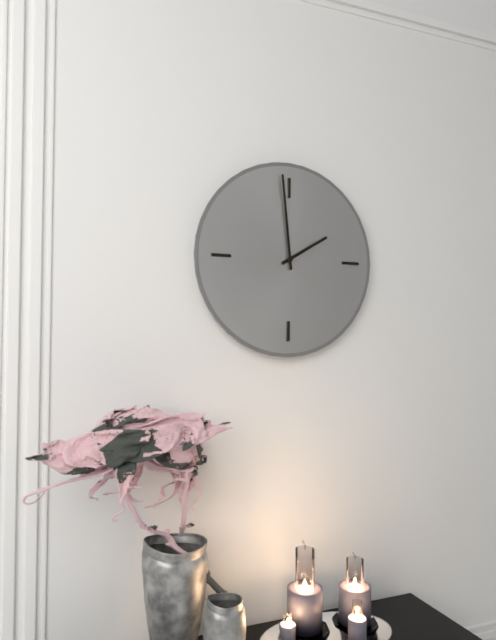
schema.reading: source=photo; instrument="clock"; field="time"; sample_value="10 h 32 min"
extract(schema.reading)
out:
1 h 59 min
